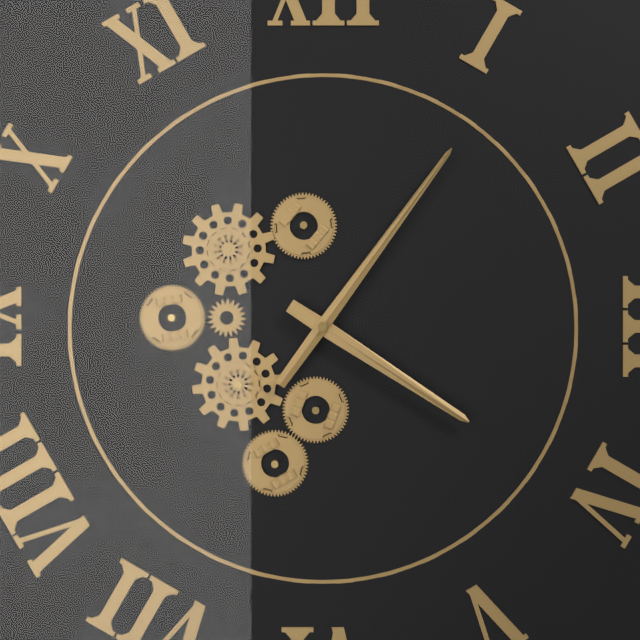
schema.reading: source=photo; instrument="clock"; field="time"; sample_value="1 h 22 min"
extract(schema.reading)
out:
4 h 06 min
